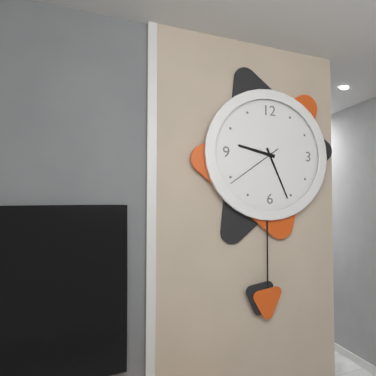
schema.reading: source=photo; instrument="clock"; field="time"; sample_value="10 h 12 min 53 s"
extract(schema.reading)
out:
9 h 26 min 39 s
